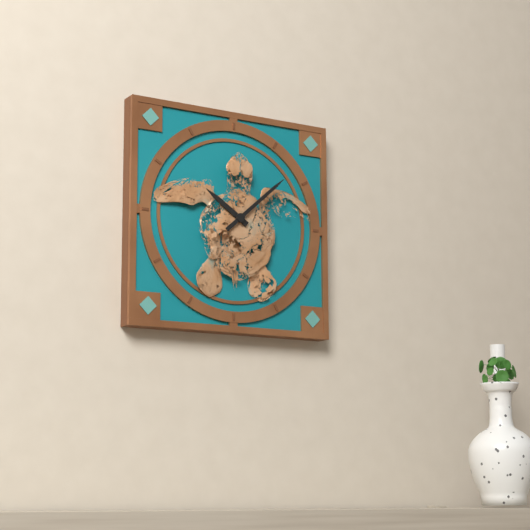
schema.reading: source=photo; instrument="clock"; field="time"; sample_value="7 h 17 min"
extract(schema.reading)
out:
10 h 08 min
